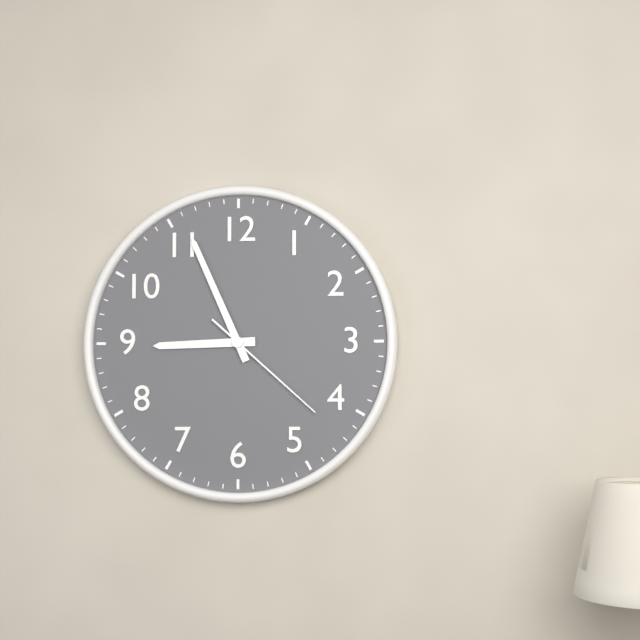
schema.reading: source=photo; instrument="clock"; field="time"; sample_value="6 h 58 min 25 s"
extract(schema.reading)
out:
8 h 56 min 22 s
